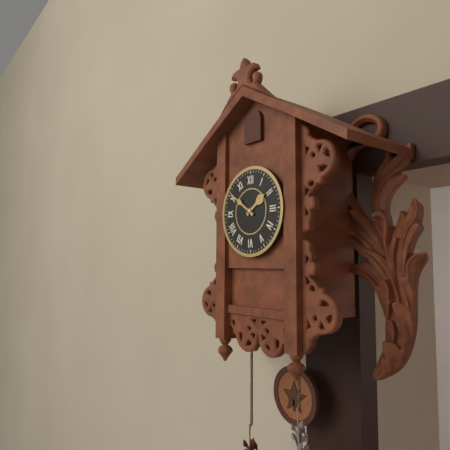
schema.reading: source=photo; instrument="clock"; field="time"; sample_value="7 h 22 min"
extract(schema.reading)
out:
1 h 51 min
